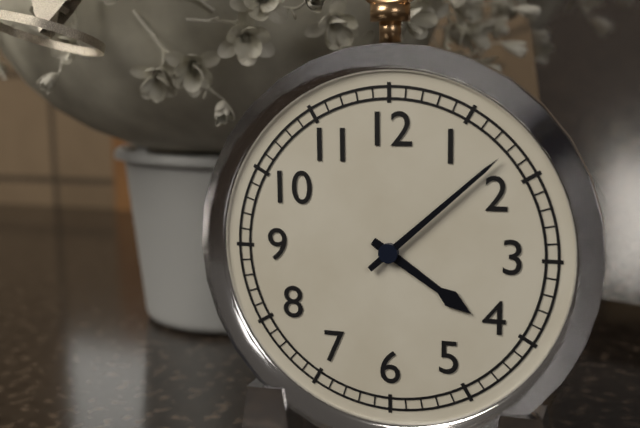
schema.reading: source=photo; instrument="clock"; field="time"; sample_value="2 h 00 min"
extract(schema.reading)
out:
4 h 08 min
